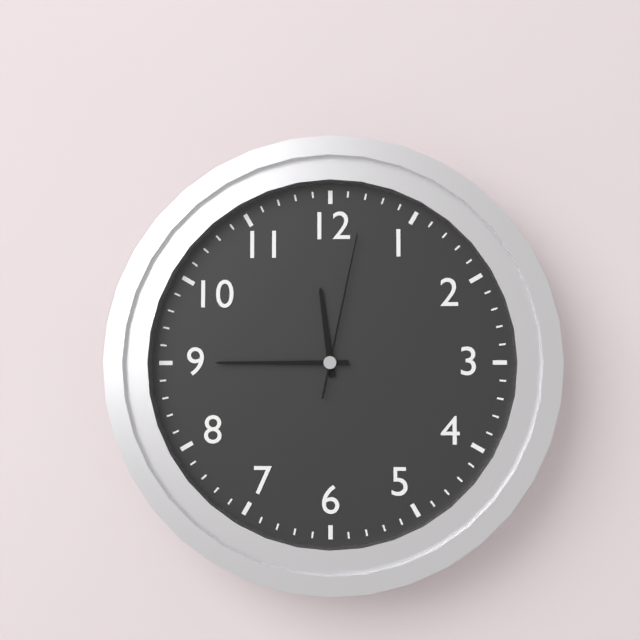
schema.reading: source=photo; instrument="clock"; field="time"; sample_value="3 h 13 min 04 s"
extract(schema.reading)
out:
11 h 45 min 02 s
